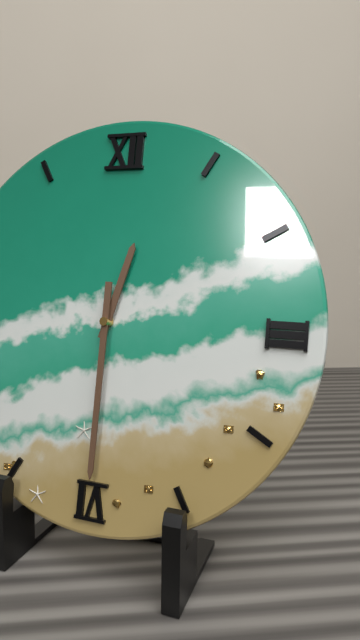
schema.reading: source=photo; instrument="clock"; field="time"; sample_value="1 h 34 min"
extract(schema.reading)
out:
12 h 30 min
